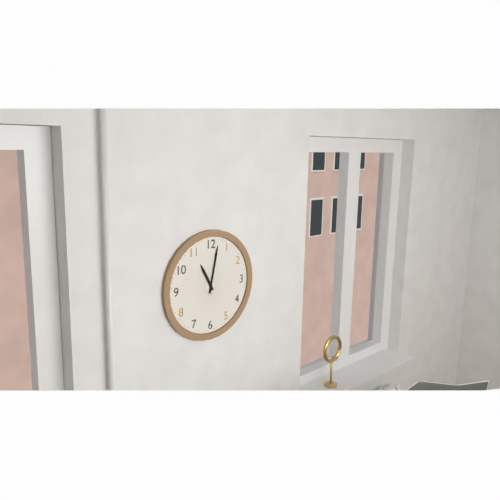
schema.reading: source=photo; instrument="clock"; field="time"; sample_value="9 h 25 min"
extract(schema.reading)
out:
11 h 02 min
